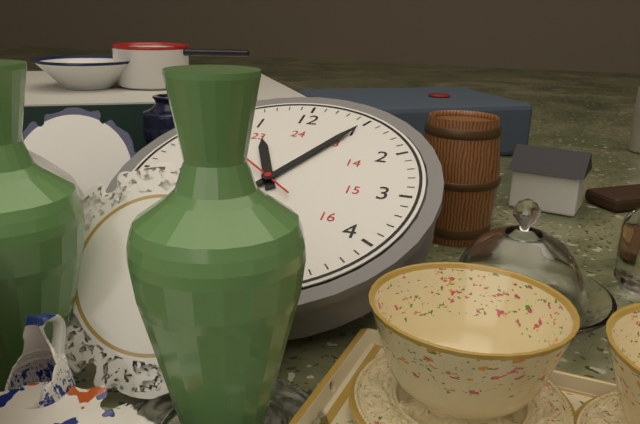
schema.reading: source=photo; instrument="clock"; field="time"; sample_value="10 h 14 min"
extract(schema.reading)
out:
11 h 05 min
